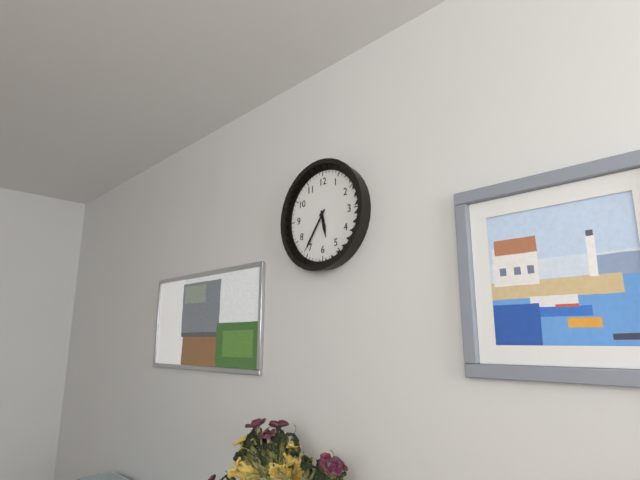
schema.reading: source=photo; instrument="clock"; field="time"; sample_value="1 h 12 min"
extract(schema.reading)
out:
5 h 36 min
